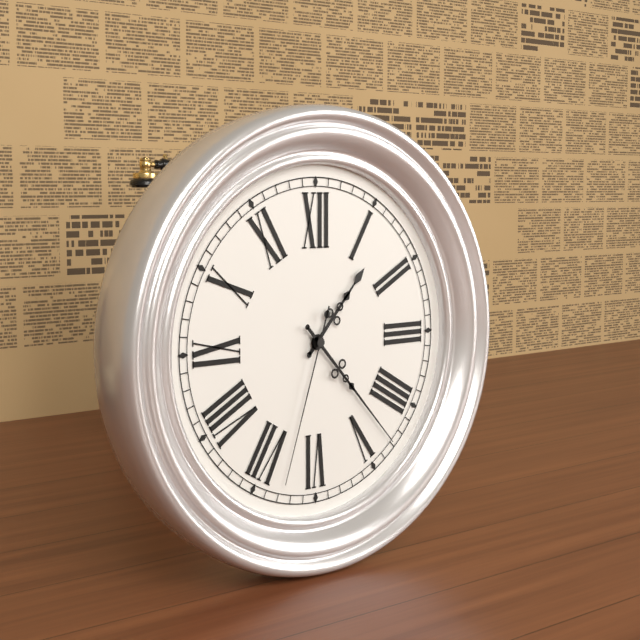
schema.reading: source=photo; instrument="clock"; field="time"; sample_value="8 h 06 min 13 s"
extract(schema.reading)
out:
1 h 23 min 33 s
